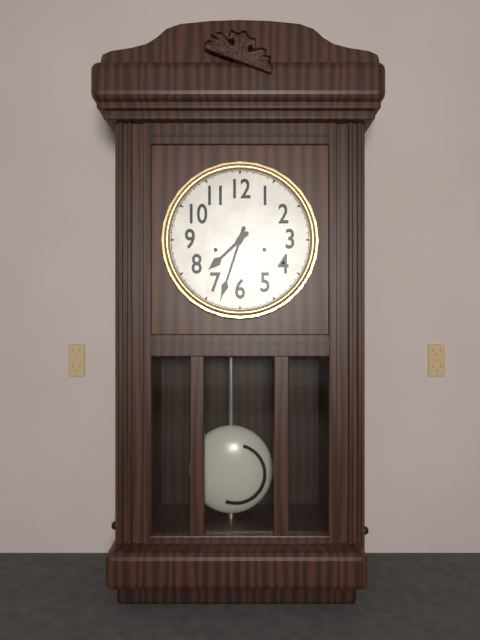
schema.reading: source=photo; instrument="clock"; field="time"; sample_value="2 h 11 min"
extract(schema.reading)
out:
7 h 33 min
